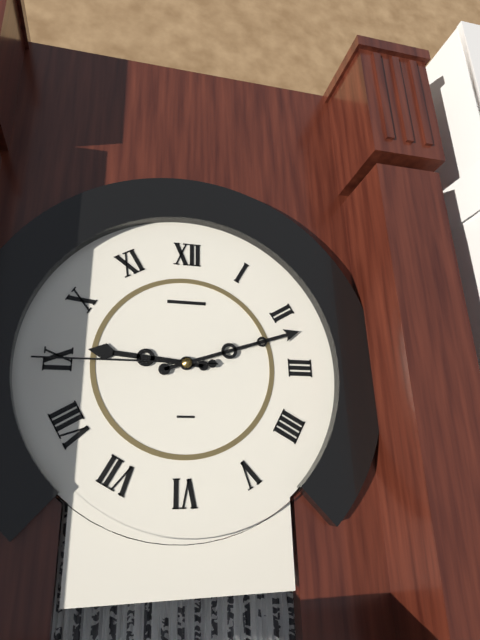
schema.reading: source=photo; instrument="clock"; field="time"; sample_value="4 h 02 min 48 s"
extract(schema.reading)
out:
9 h 12 min 45 s
